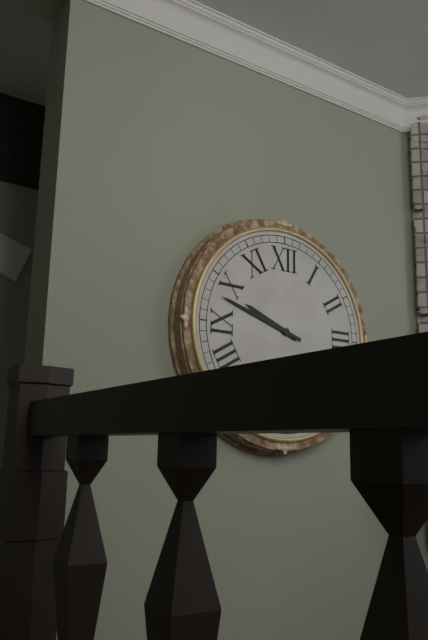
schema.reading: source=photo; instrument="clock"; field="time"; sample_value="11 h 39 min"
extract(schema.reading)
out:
9 h 48 min
